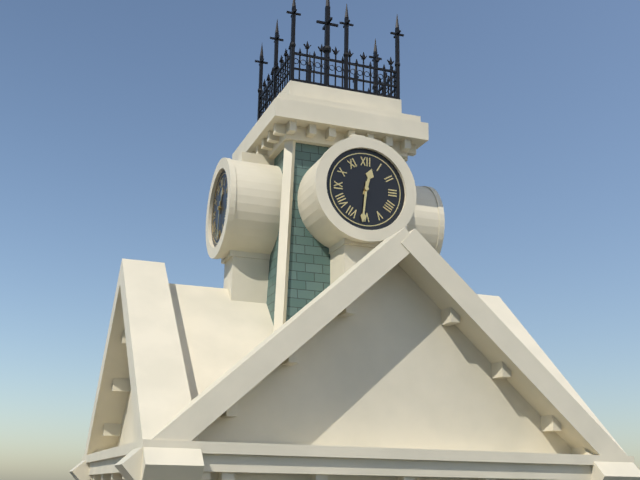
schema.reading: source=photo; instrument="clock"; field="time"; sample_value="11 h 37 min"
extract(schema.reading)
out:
12 h 31 min
